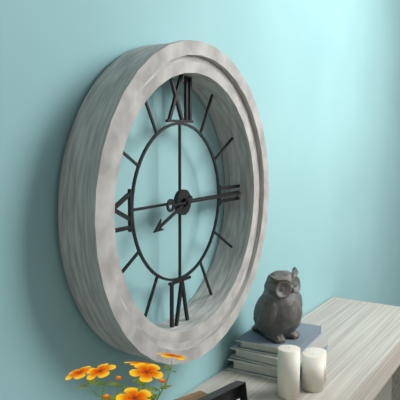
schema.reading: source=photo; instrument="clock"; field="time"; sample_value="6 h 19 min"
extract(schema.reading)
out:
8 h 15 min
